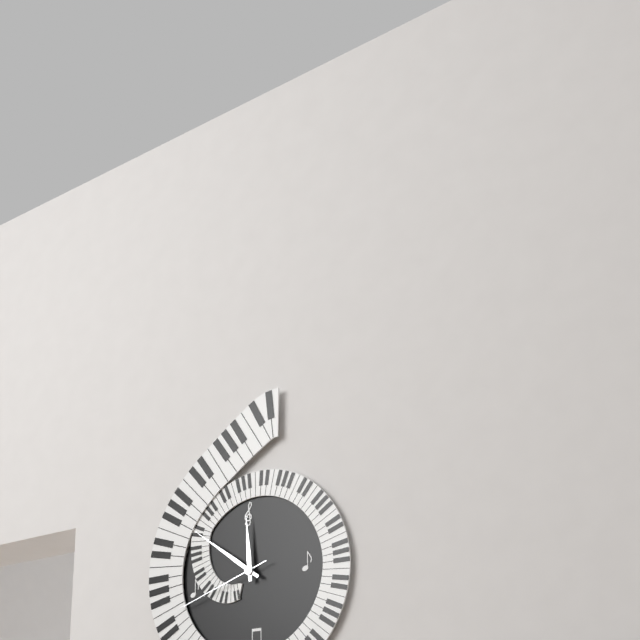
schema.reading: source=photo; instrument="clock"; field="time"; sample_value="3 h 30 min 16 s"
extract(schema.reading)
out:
11 h 51 min 42 s
